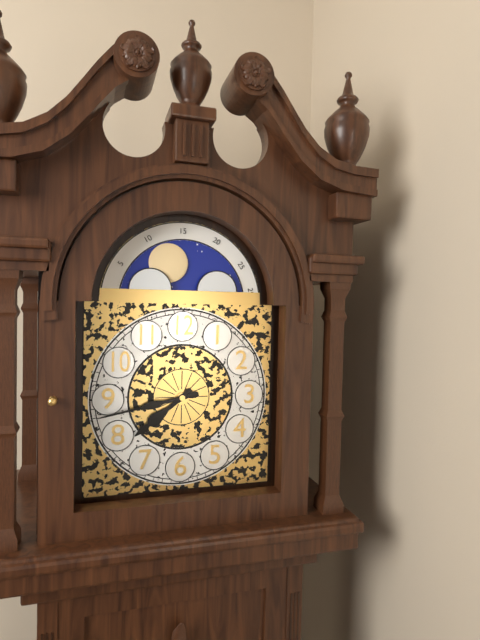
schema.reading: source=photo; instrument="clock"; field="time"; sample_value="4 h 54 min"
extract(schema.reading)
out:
7 h 43 min
